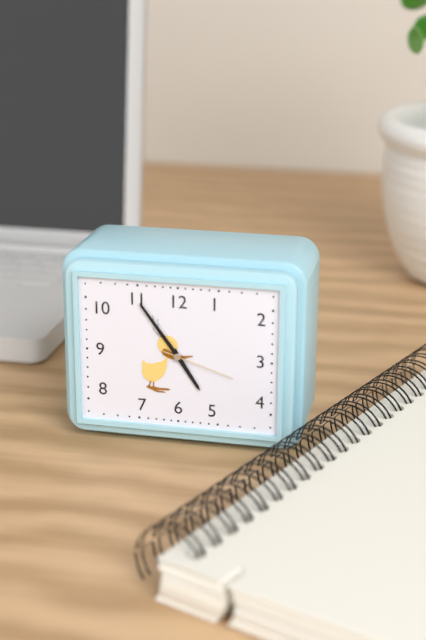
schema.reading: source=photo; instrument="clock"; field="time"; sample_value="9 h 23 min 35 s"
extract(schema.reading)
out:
4 h 54 min 18 s
